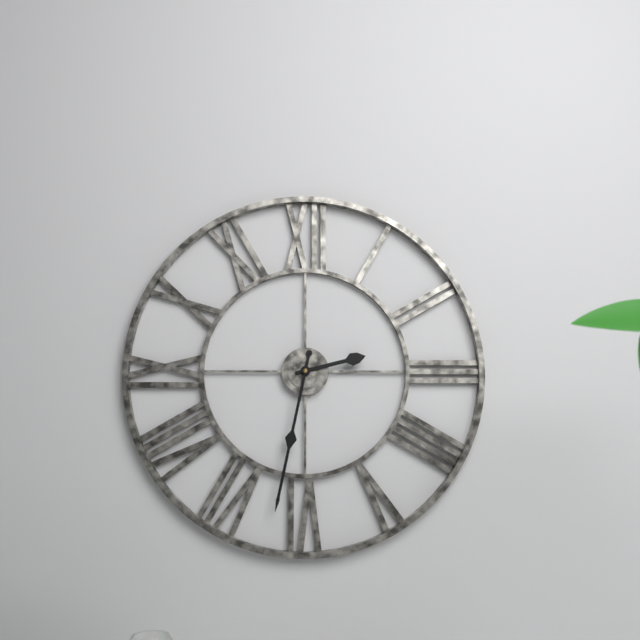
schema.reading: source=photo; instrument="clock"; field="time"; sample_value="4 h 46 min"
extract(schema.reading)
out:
2 h 32 min
